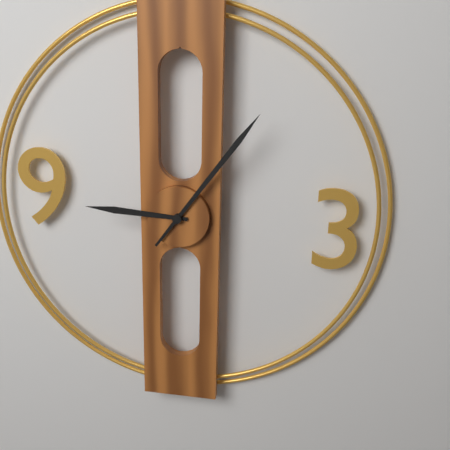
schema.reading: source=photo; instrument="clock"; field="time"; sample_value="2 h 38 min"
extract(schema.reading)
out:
9 h 06 min
